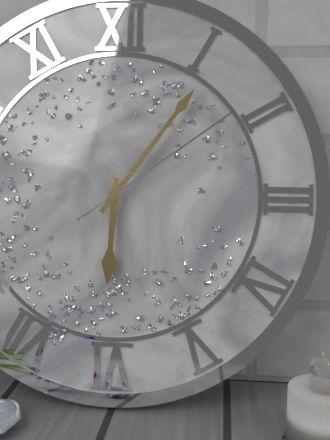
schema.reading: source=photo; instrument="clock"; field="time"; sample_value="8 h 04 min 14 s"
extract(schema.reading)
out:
6 h 06 min 09 s
